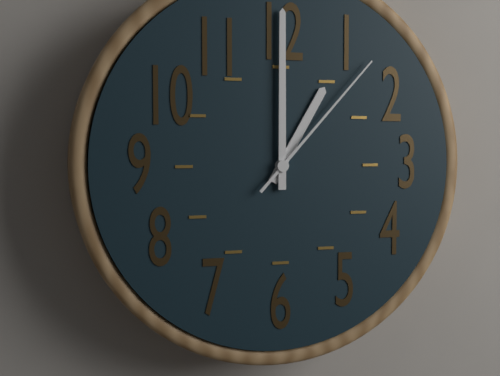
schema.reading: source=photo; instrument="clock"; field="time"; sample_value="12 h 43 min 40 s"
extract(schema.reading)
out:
1 h 00 min 07 s
